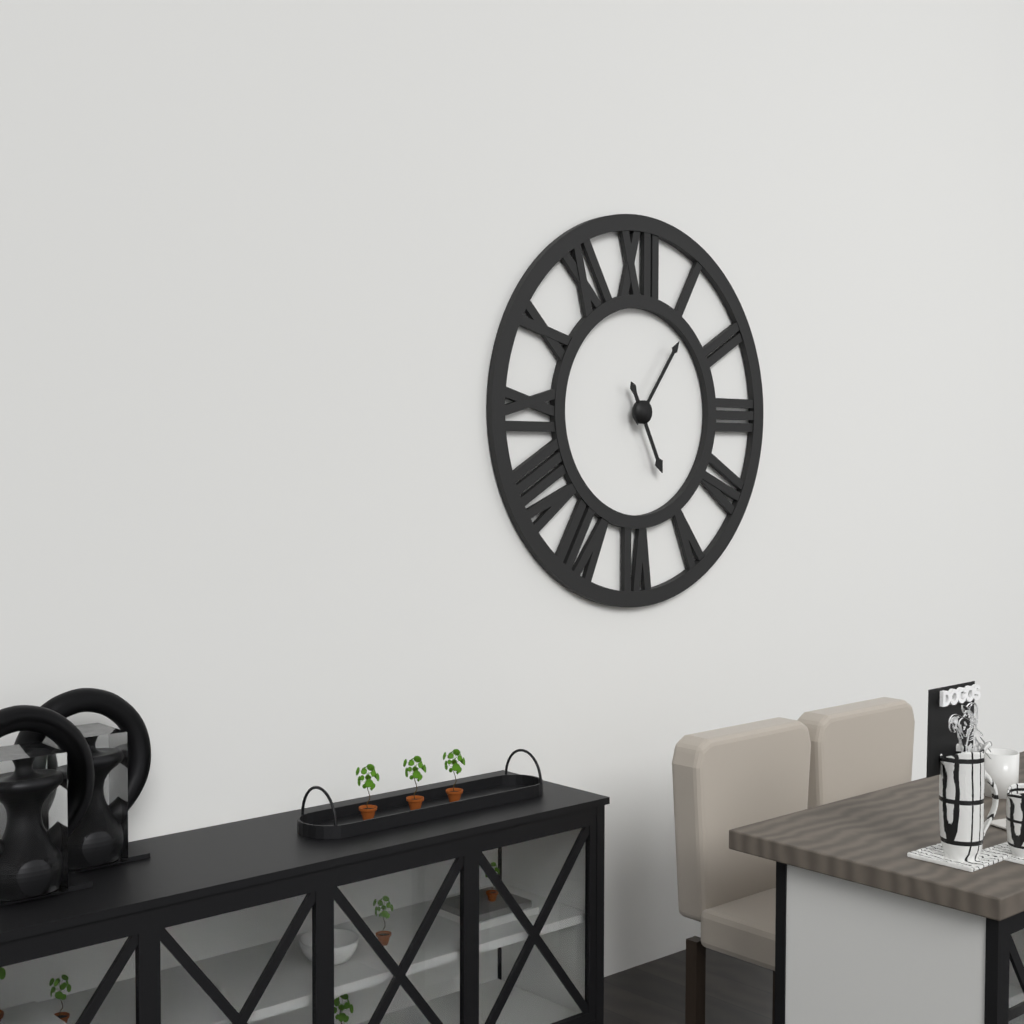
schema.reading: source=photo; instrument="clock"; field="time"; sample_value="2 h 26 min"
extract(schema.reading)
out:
5 h 06 min
